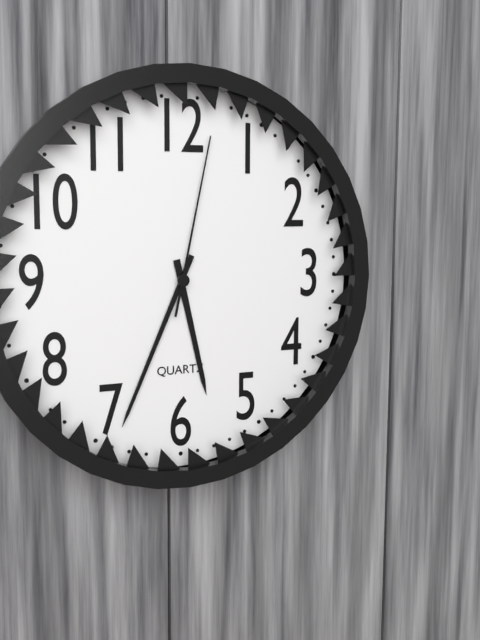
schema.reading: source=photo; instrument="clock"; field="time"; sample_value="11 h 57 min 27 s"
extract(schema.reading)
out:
5 h 34 min 02 s
